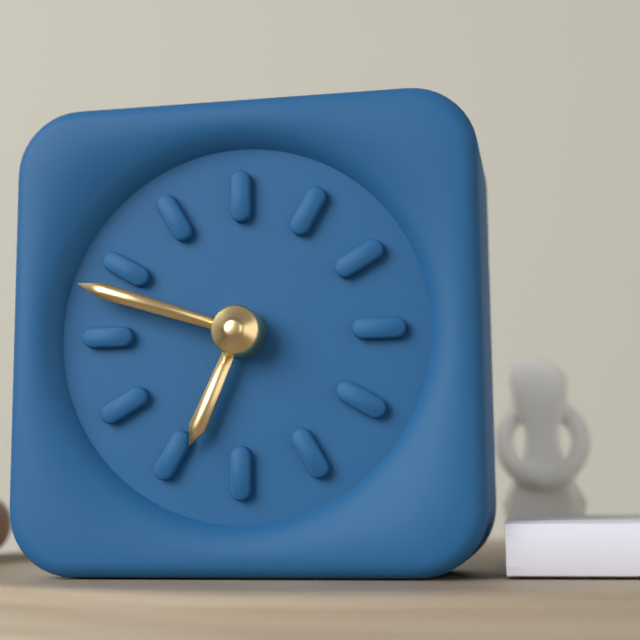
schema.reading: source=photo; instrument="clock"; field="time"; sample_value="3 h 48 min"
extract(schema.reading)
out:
6 h 48 min
